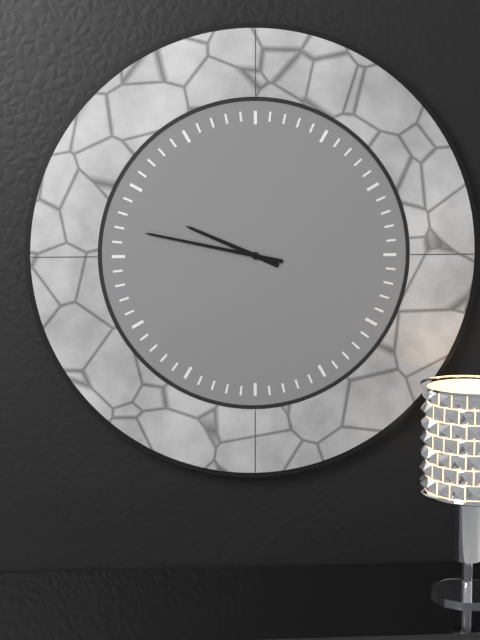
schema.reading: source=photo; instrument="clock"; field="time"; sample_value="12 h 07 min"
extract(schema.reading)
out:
9 h 47 min
